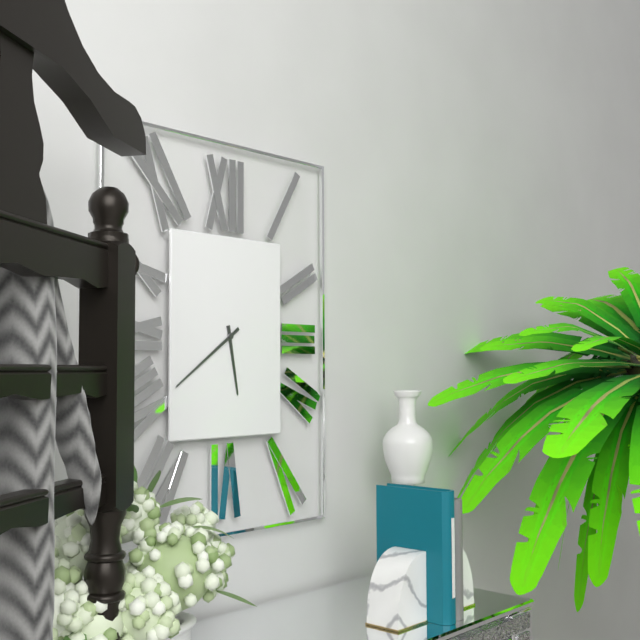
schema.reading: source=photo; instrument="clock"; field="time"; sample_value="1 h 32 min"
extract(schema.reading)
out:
5 h 39 min
